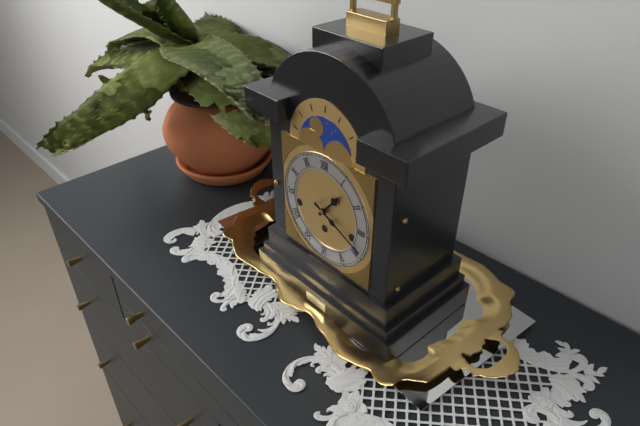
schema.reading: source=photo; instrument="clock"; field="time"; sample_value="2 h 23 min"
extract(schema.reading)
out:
1 h 19 min
